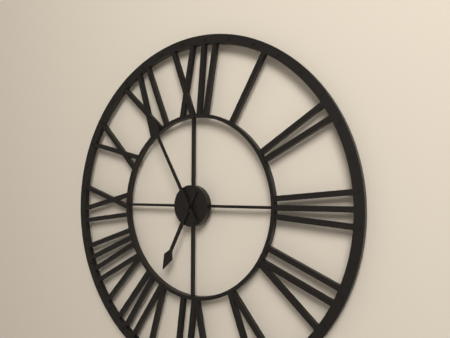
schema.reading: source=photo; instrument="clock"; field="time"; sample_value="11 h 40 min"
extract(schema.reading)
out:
6 h 55 min
